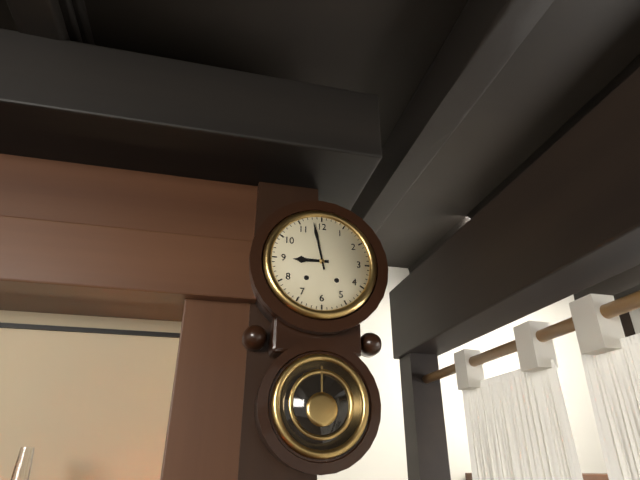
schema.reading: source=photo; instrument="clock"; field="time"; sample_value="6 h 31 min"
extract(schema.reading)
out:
8 h 58 min
